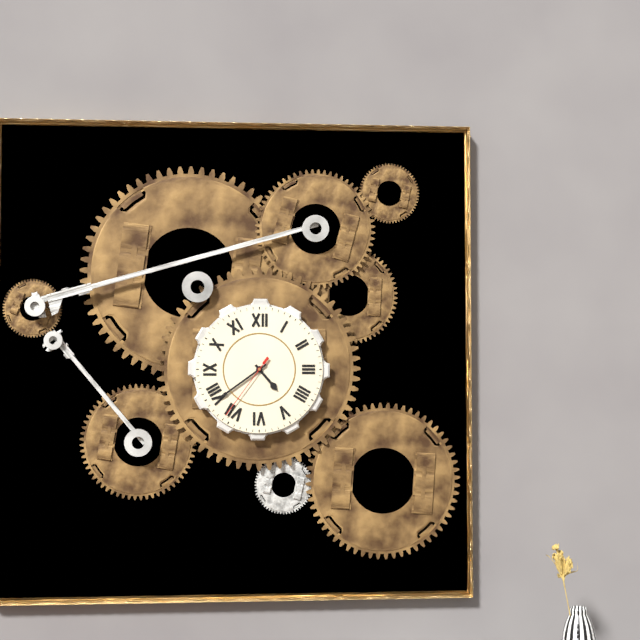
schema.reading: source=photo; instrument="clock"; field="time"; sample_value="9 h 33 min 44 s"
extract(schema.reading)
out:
4 h 39 min 36 s
